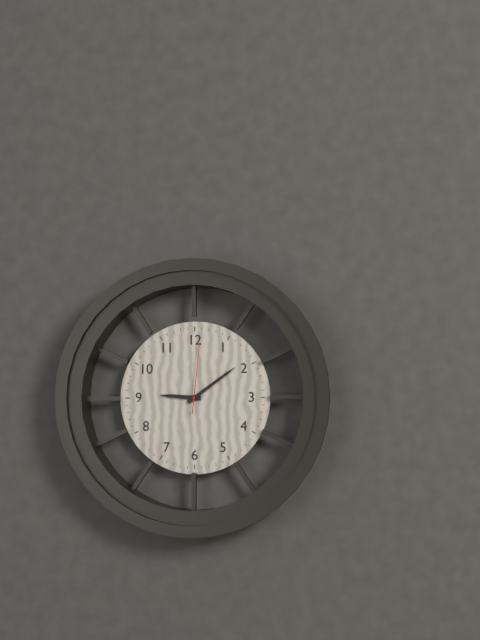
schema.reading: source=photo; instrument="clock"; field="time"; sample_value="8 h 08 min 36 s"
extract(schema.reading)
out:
9 h 09 min 01 s
